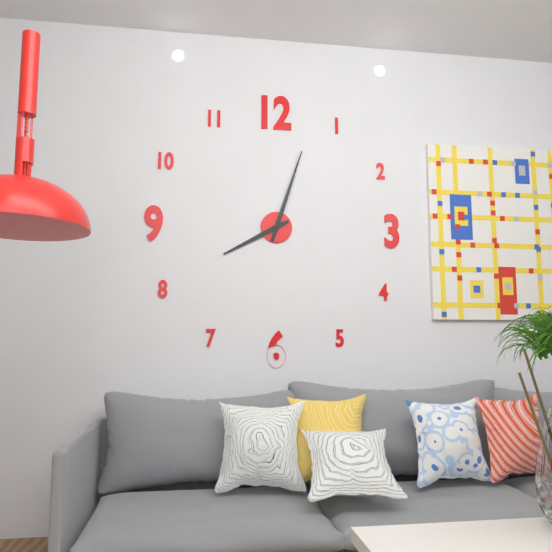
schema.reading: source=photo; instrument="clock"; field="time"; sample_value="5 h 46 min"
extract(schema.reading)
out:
8 h 03 min
